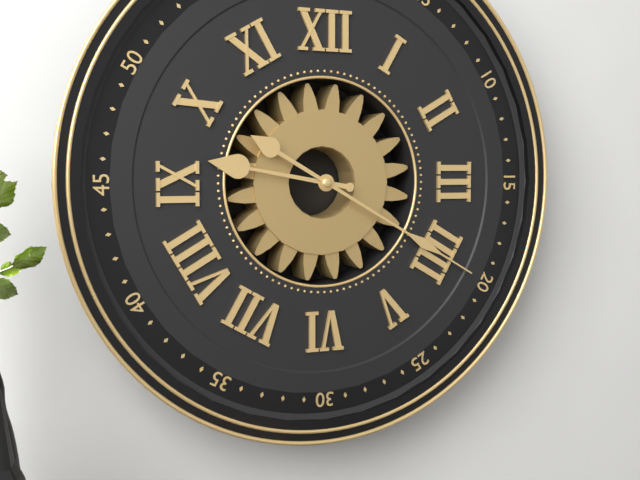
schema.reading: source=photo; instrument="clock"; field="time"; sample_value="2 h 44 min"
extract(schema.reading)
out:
9 h 20 min
